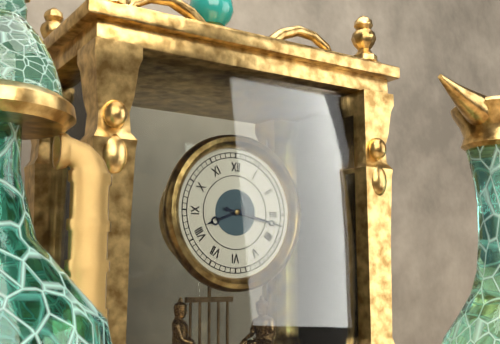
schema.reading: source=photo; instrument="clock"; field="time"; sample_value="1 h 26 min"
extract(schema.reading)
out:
8 h 17 min
